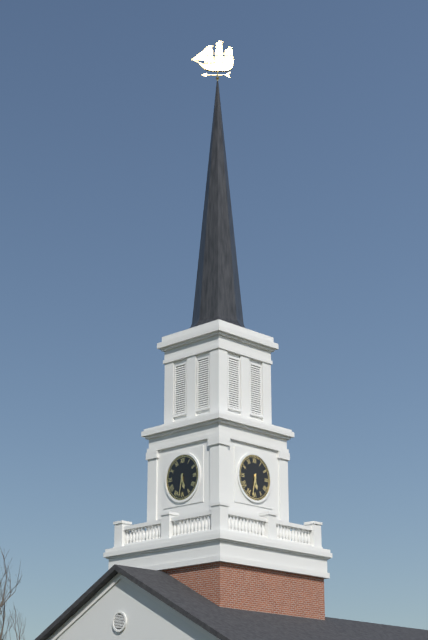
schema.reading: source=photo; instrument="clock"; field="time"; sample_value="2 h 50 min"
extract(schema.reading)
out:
5 h 32 min
